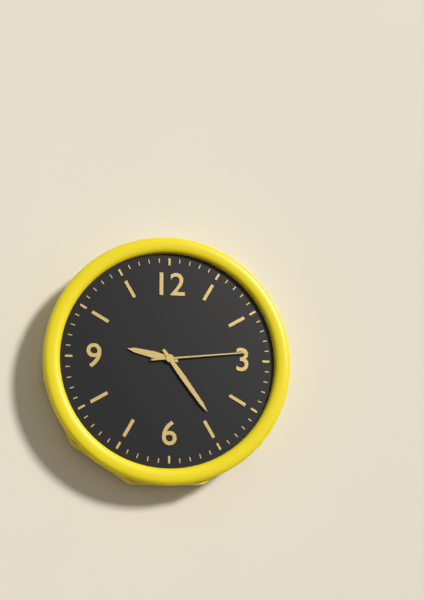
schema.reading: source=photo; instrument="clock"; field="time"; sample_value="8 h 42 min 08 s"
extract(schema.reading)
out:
9 h 24 min 14 s
